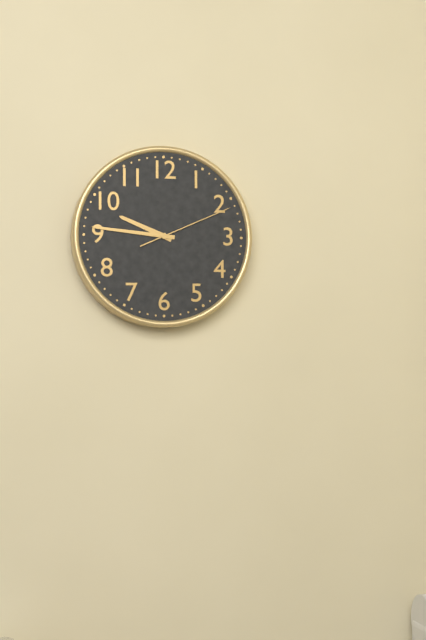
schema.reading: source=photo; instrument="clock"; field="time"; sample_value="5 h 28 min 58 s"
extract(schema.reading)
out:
9 h 46 min 11 s
